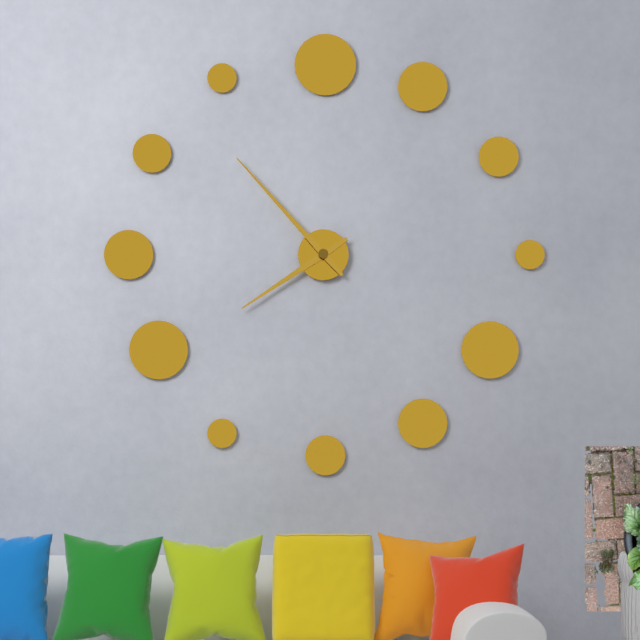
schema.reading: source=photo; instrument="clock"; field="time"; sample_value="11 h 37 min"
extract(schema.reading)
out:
7 h 53 min
